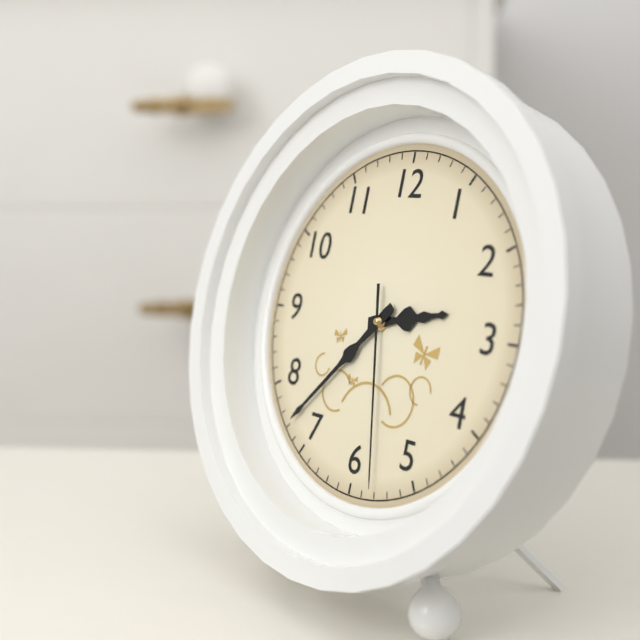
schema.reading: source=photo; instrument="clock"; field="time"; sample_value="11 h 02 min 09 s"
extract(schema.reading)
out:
2 h 37 min 28 s
